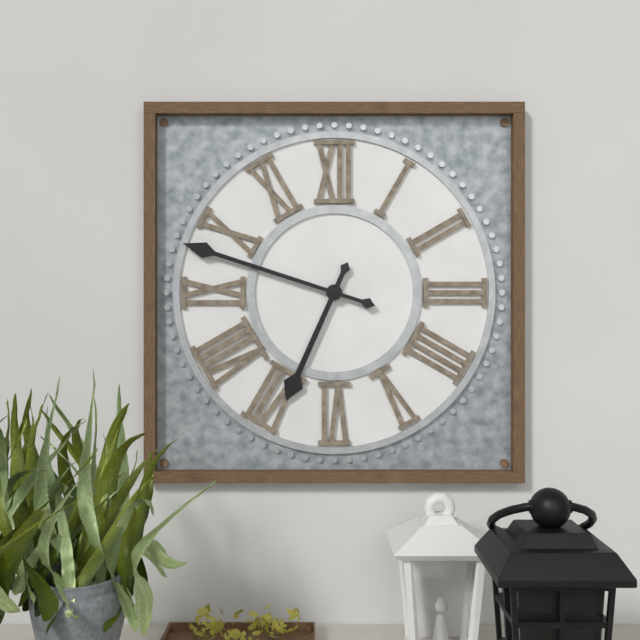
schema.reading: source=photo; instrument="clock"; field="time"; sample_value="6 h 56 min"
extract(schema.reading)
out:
6 h 48 min
